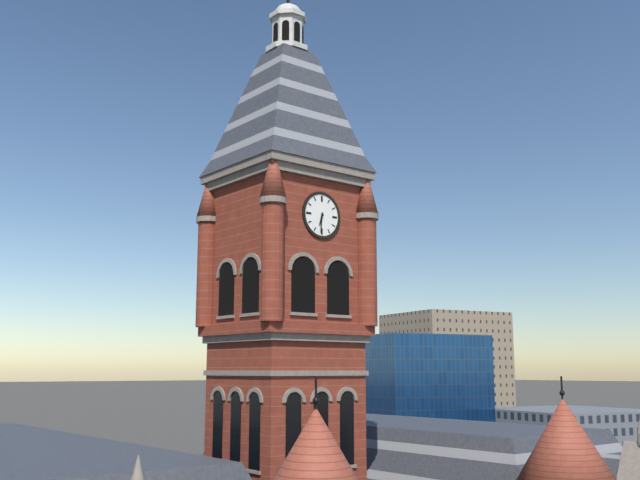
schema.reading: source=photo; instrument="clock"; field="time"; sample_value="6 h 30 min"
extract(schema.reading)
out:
6 h 31 min
